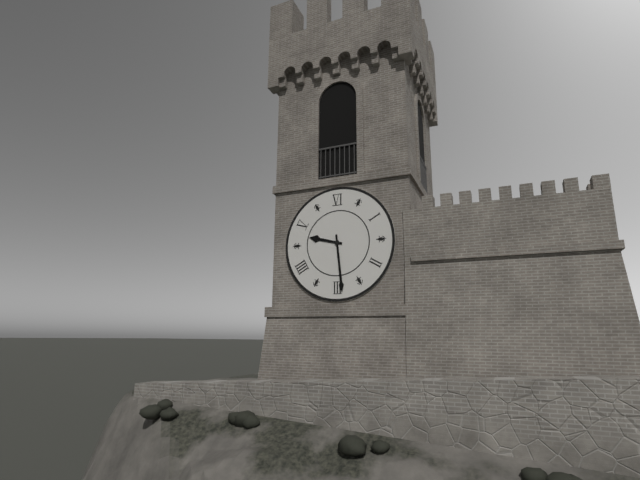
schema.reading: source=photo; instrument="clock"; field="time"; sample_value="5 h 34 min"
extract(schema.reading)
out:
9 h 29 min
